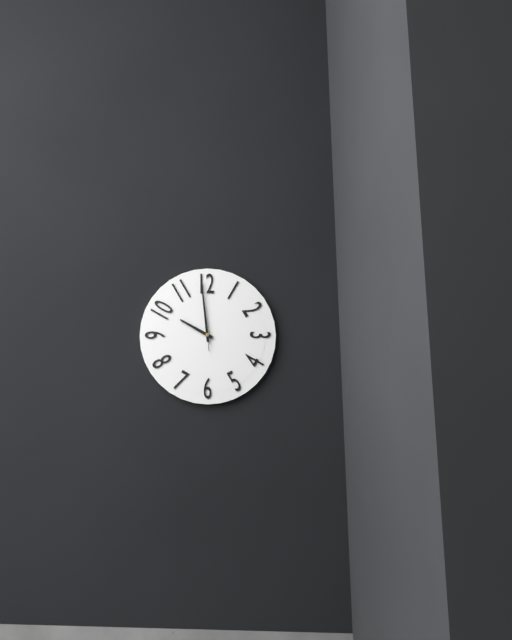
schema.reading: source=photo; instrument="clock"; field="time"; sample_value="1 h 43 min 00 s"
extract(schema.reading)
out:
9 h 59 min 59 s
